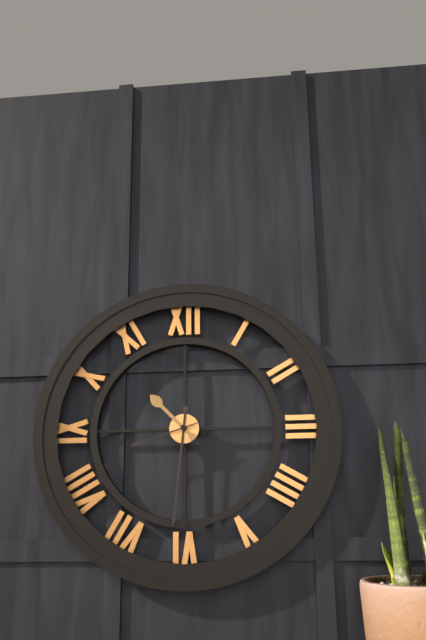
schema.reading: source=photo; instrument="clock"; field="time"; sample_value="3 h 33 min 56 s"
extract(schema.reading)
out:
10 h 31 min 42 s
